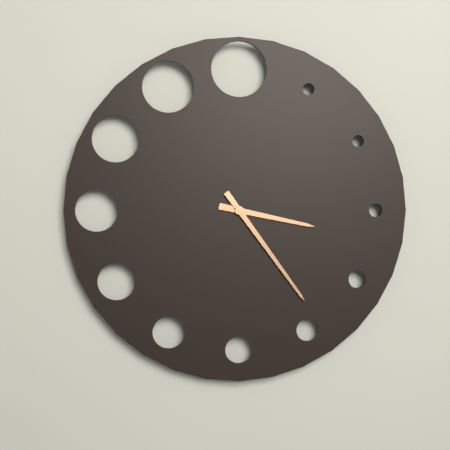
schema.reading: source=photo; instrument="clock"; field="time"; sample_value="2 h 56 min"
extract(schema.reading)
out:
3 h 24 min
